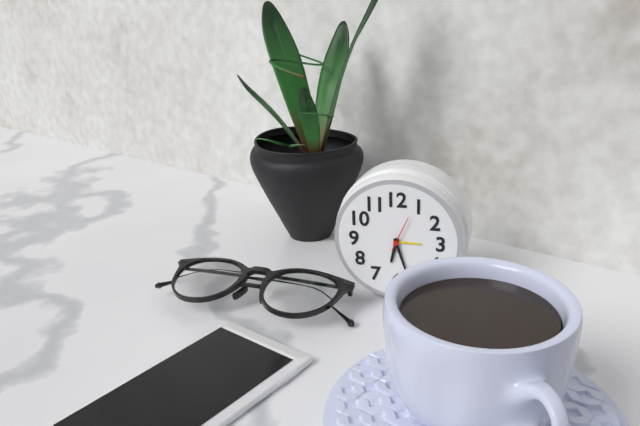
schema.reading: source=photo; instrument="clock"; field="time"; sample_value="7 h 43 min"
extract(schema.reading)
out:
6 h 27 min
